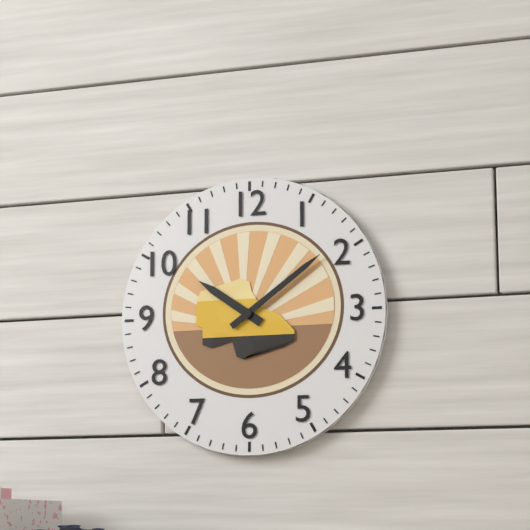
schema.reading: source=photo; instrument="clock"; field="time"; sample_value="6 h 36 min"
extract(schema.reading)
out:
10 h 09 min
